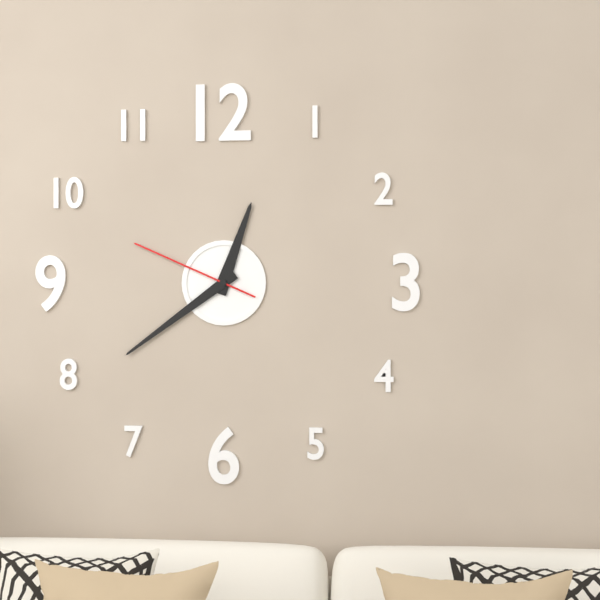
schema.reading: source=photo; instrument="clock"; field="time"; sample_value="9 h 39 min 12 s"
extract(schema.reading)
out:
12 h 39 min 49 s
